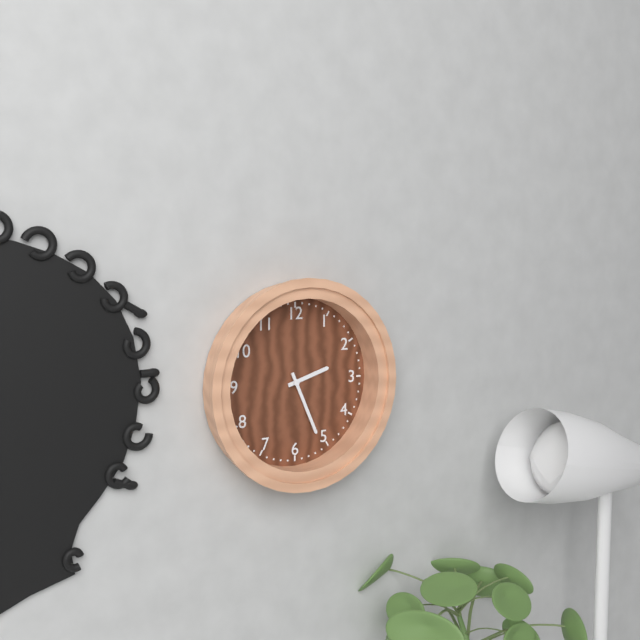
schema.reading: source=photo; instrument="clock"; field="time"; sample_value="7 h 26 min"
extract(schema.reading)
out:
2 h 26 min
